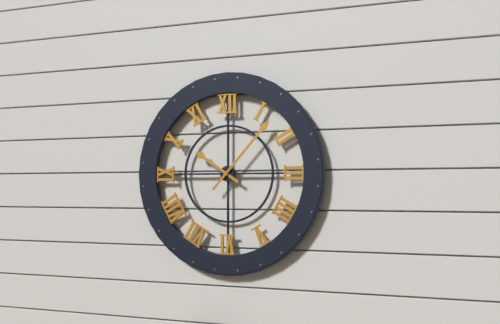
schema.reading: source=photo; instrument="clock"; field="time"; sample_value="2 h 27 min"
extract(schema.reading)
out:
10 h 07 min
